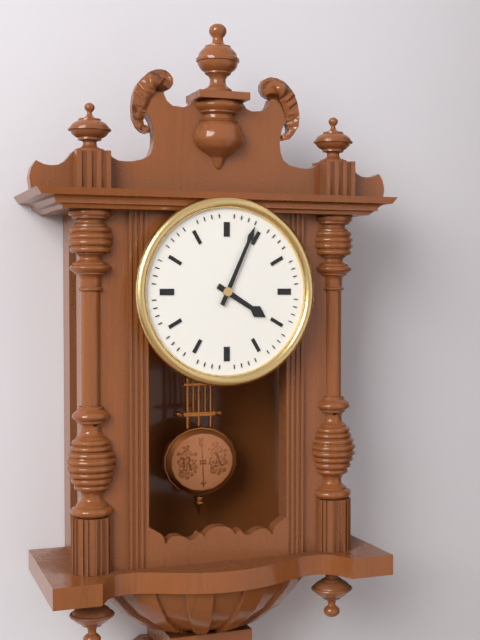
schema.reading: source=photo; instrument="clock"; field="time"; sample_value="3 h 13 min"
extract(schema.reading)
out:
4 h 04 min
